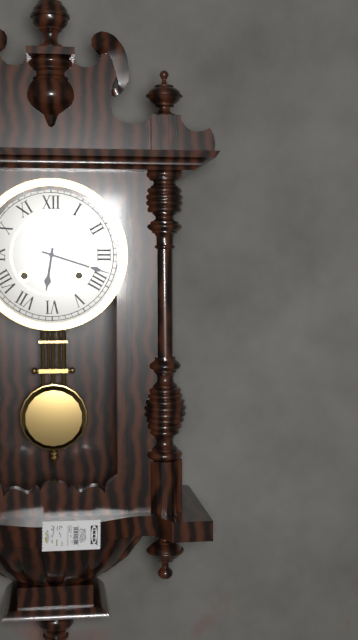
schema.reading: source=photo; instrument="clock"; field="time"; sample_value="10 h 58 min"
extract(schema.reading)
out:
6 h 18 min
